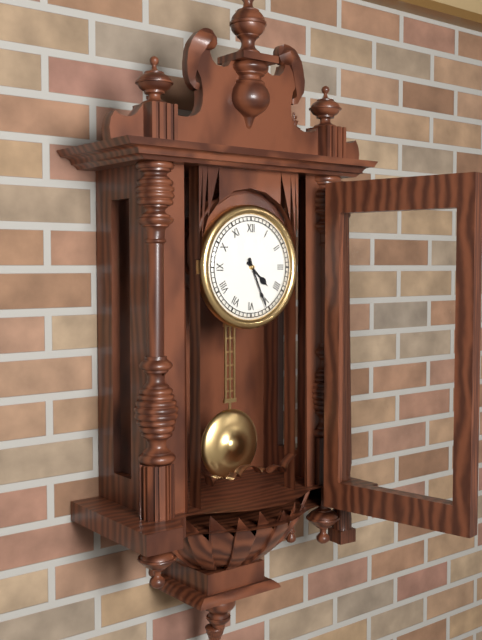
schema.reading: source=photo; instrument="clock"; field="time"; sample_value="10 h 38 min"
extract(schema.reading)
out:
4 h 26 min
